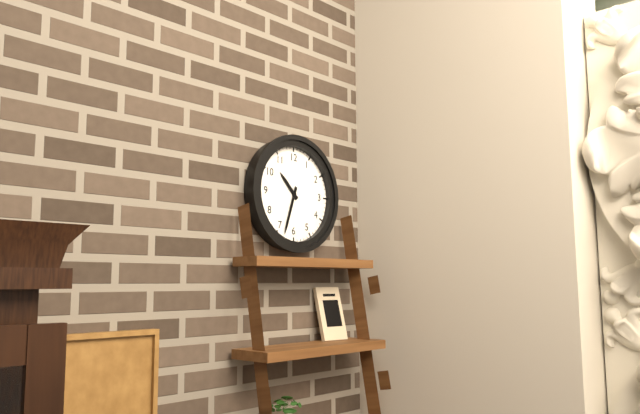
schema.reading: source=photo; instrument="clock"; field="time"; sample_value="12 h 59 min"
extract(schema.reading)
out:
10 h 33 min
